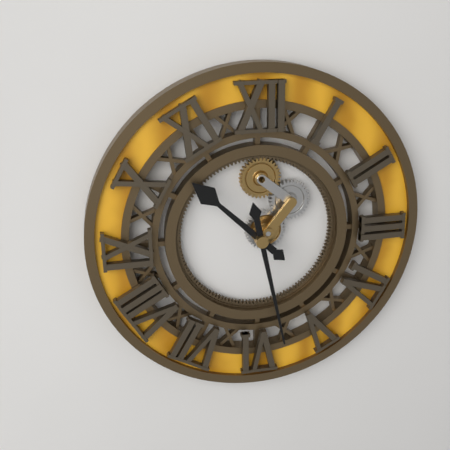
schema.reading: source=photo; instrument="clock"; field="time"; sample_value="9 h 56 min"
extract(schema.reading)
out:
10 h 28 min
